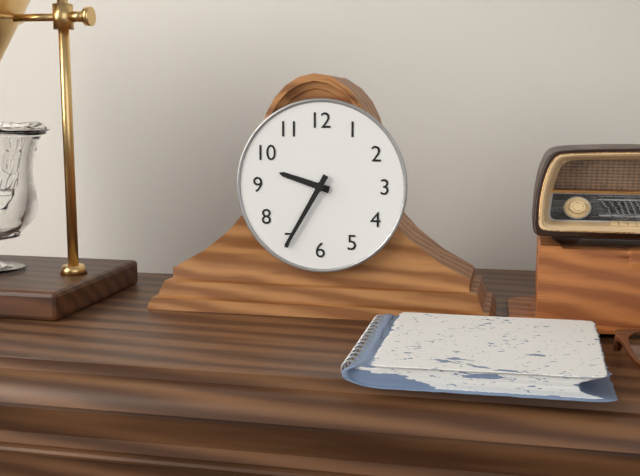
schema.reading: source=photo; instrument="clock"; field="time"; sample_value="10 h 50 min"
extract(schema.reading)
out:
9 h 35 min
